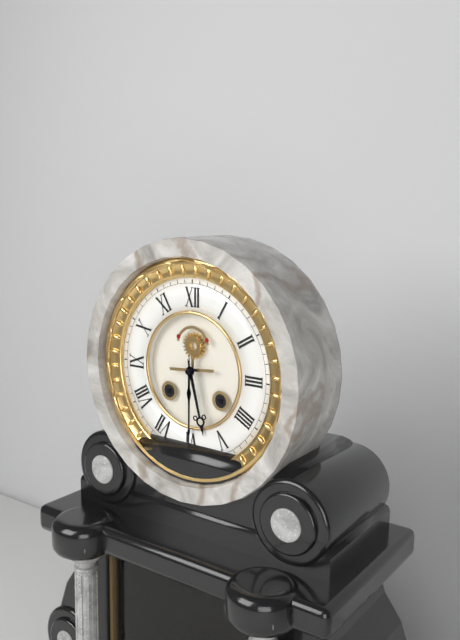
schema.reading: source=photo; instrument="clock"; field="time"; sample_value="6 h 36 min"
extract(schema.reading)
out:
5 h 30 min
